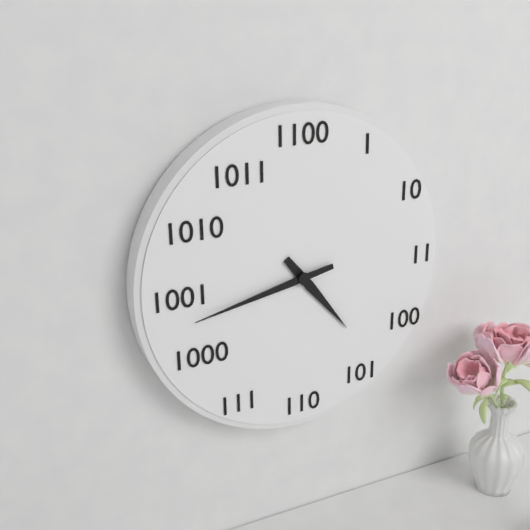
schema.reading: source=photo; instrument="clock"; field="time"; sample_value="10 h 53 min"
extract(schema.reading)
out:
4 h 43 min
